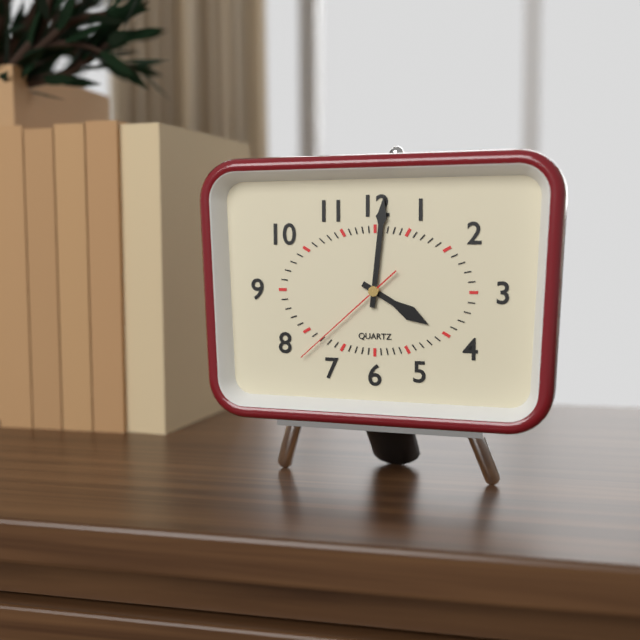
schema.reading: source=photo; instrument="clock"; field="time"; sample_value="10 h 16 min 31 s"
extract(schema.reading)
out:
4 h 01 min 38 s
